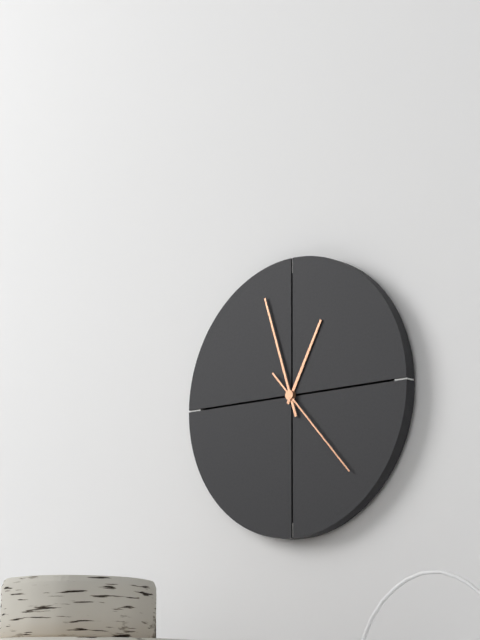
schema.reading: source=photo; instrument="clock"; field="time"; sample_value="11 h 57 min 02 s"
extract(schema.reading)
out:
12 h 57 min 23 s
